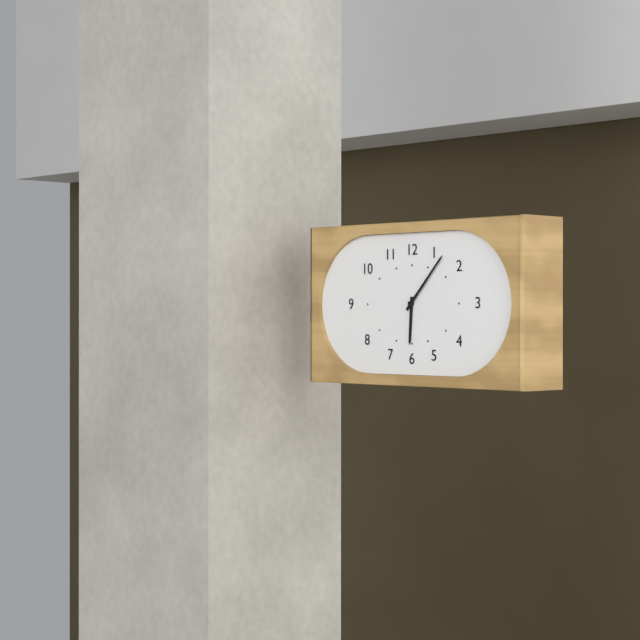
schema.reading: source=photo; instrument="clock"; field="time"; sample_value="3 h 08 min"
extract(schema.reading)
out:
6 h 07 min
